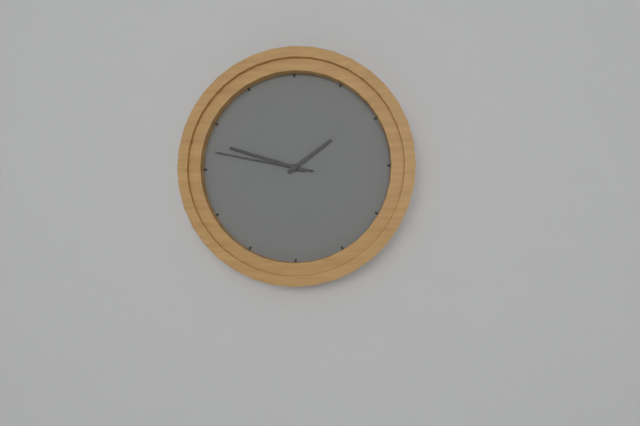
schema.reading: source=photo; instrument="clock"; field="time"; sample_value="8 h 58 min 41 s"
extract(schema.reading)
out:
1 h 48 min 47 s
